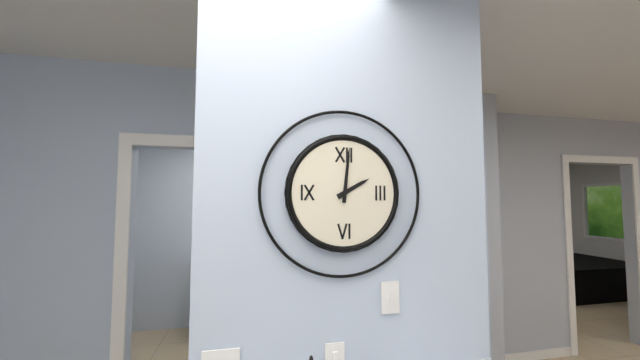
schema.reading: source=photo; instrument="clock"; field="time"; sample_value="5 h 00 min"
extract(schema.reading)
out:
2 h 01 min
